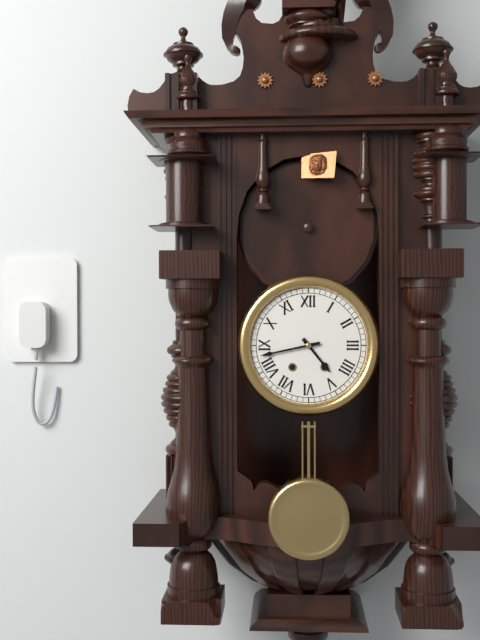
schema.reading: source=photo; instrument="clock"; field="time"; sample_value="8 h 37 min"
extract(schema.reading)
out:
4 h 43 min
